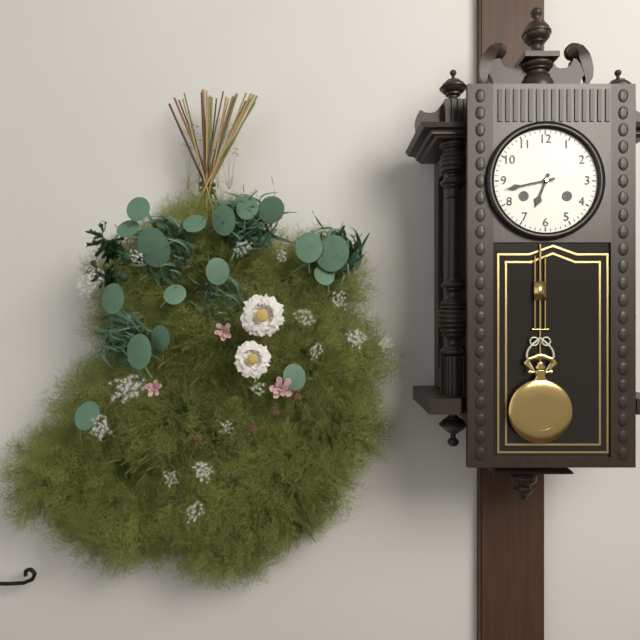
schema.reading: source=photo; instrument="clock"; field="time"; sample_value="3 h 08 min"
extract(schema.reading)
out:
6 h 43 min
